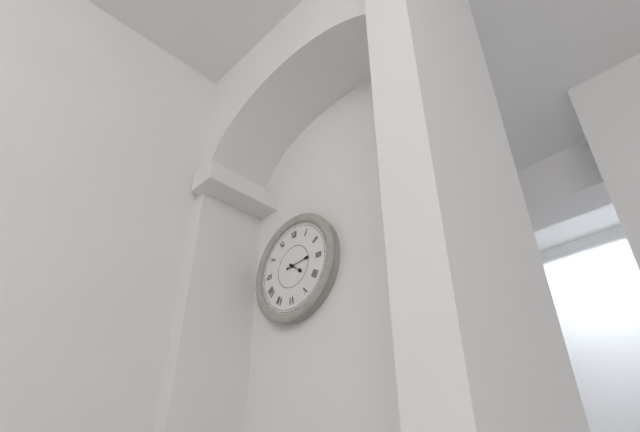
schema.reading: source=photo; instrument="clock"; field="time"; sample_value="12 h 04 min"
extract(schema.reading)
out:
4 h 14 min
